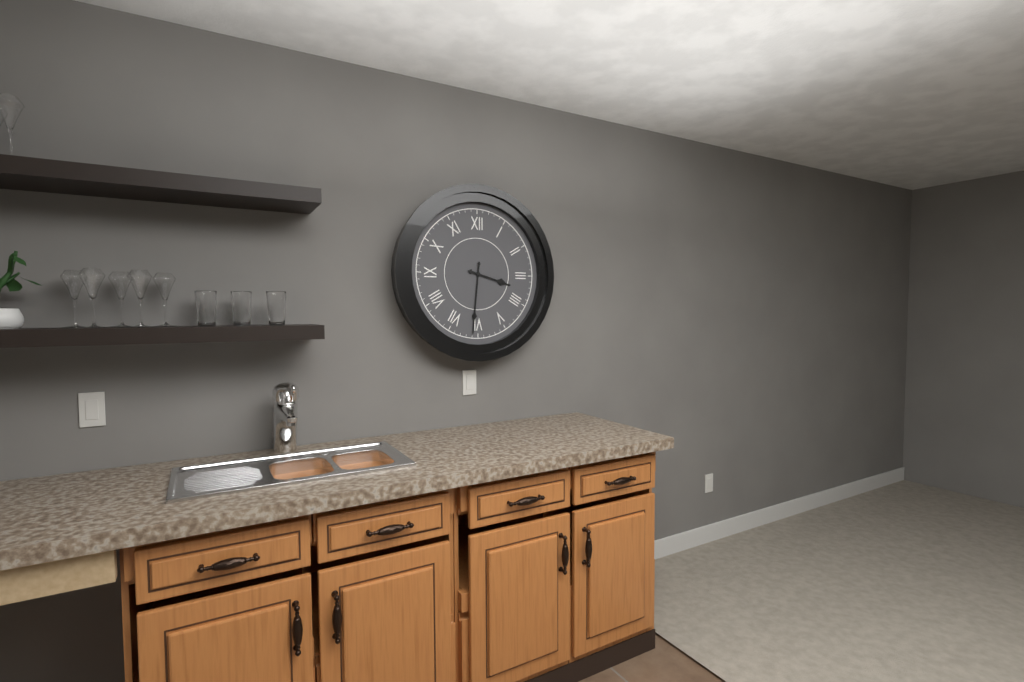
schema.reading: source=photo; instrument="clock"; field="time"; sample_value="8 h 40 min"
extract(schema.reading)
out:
3 h 31 min
